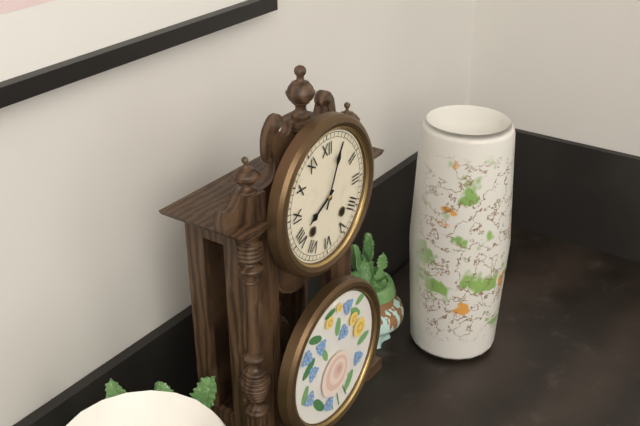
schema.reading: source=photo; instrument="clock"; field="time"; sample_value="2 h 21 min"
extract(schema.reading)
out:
8 h 04 min
